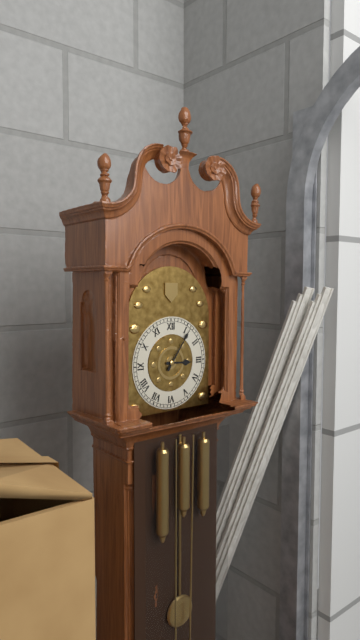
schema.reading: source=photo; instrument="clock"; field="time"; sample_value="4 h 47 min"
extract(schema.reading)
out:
3 h 06 min
